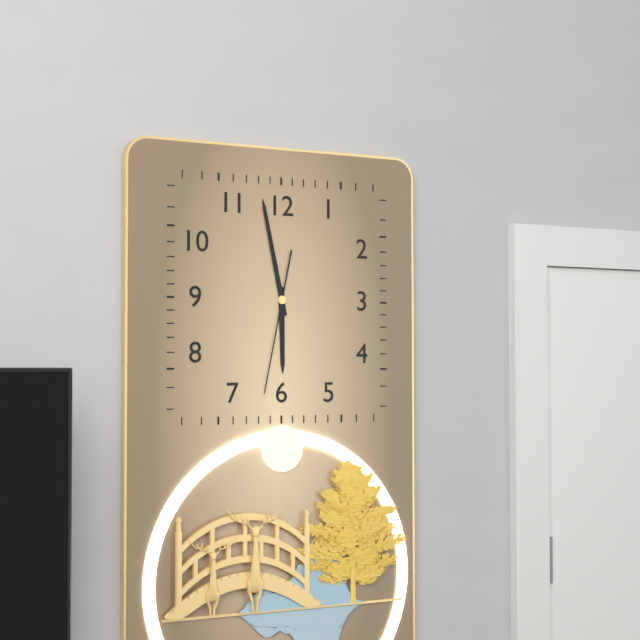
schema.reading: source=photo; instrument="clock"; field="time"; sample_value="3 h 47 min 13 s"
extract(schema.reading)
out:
5 h 58 min 32 s
